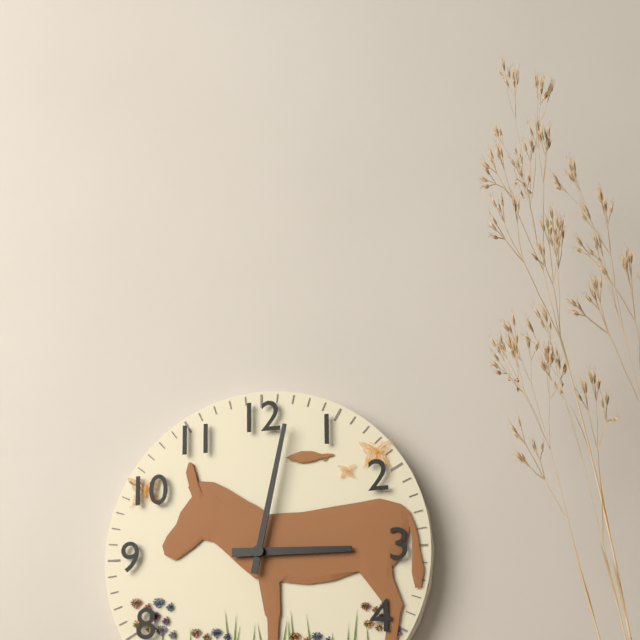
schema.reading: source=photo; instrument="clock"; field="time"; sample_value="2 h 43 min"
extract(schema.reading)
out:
3 h 02 min
